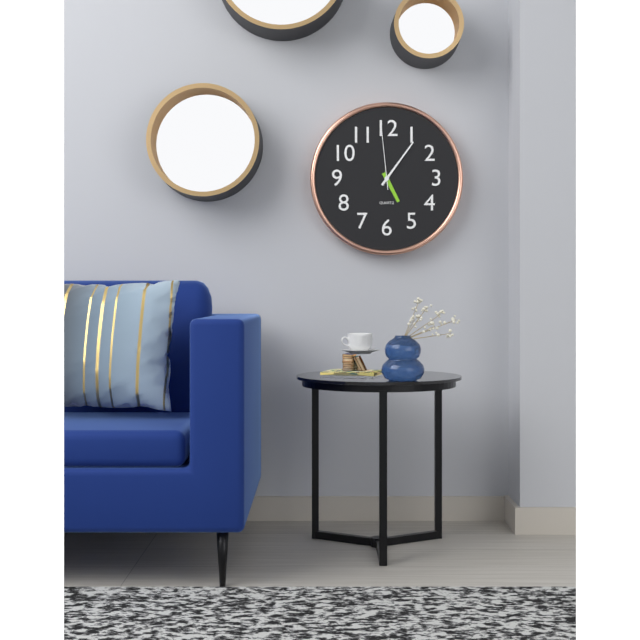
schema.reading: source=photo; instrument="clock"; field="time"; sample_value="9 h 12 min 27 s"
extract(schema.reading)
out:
5 h 06 min 59 s
